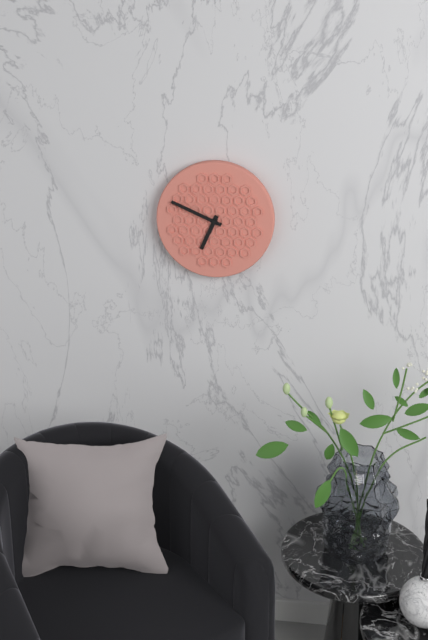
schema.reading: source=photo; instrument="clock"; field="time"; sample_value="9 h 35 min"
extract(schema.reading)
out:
6 h 49 min
